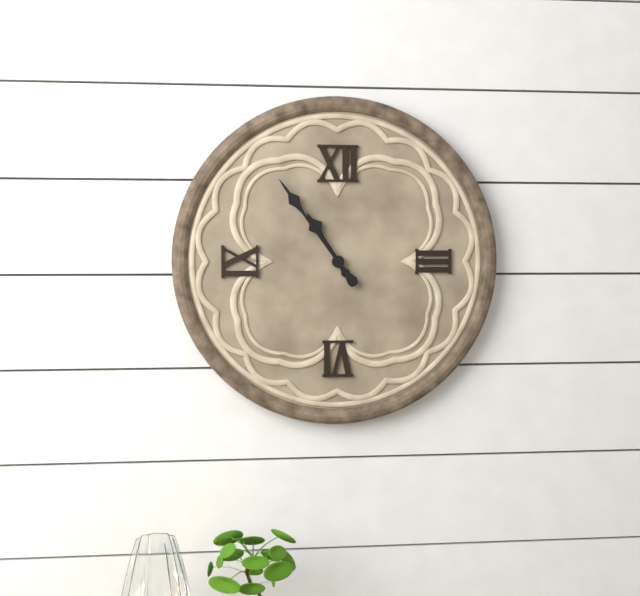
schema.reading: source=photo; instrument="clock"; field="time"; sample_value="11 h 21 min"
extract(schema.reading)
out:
10 h 54 min
